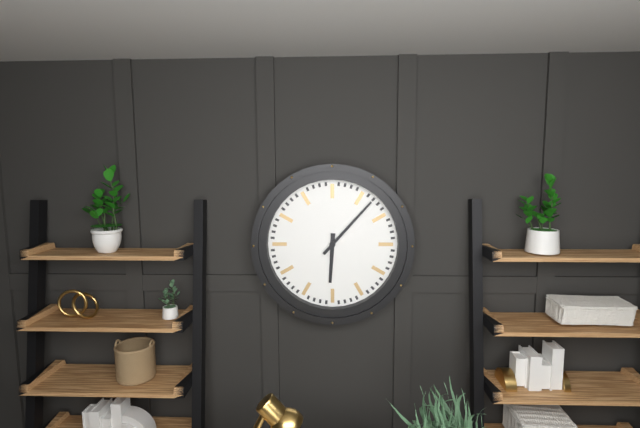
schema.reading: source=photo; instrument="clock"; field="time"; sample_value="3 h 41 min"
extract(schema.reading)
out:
6 h 07 min
